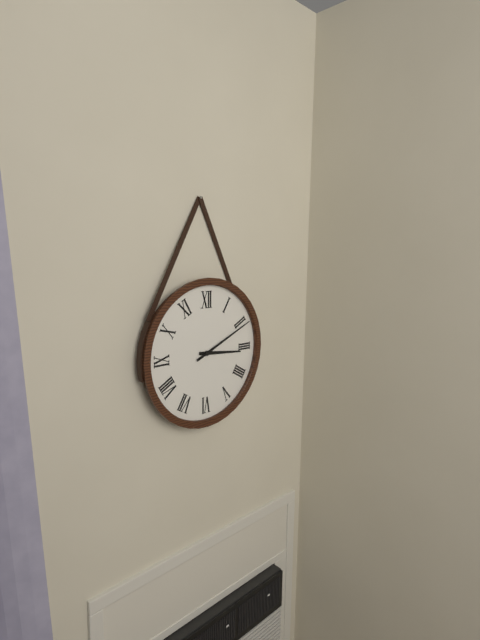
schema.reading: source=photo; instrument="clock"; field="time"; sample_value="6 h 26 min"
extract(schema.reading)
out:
3 h 11 min
